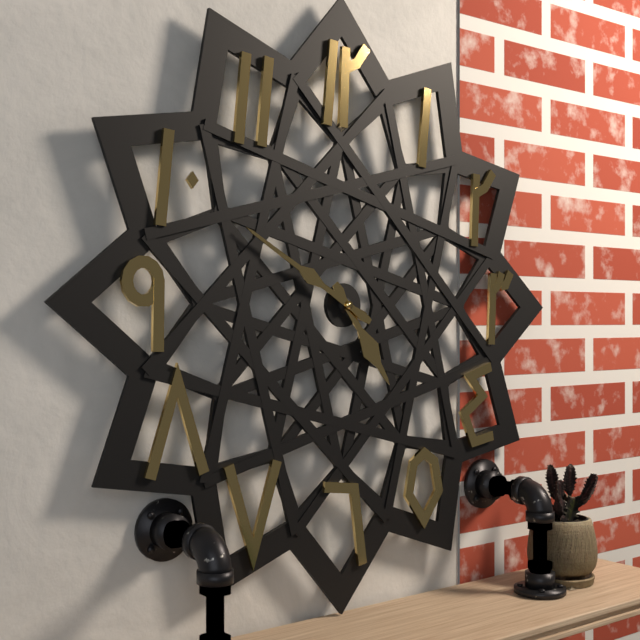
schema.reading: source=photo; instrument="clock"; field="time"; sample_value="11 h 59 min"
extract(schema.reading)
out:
4 h 50 min
